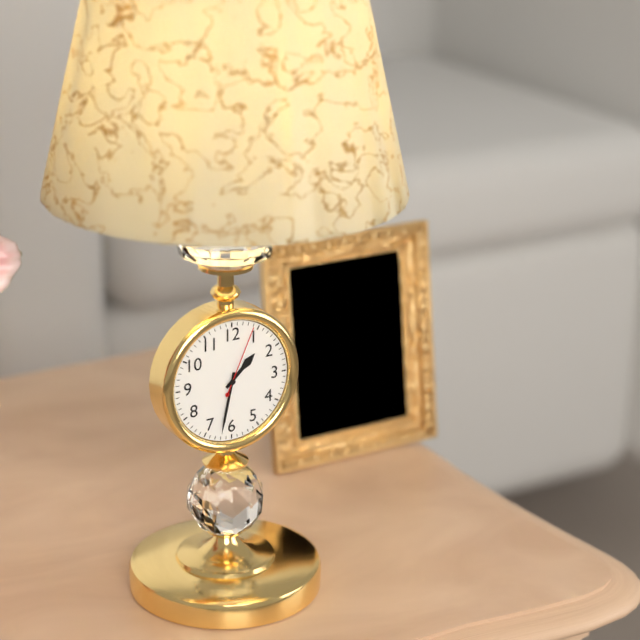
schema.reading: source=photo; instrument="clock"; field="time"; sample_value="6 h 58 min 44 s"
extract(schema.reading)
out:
1 h 32 min 04 s
